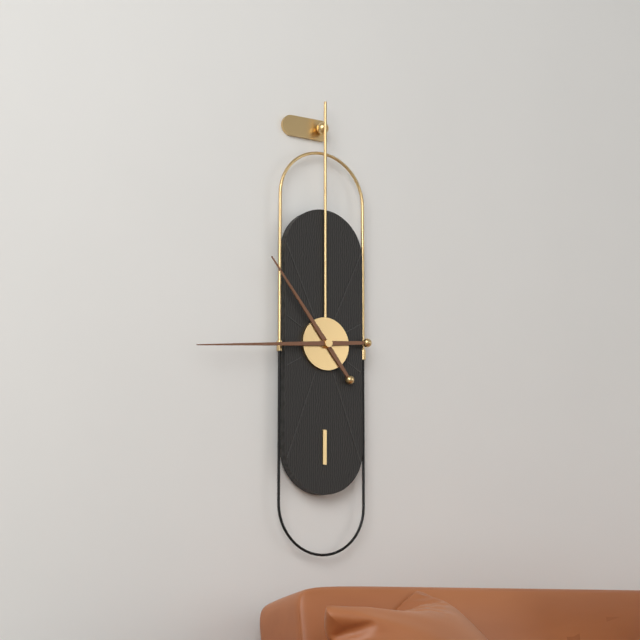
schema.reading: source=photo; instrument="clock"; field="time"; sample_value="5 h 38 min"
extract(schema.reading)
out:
10 h 44 min
